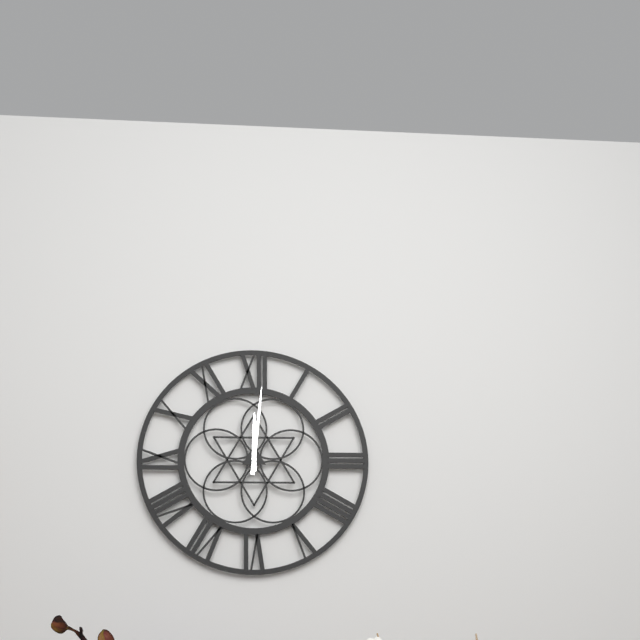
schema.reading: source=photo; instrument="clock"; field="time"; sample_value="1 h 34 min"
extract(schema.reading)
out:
12 h 01 min
